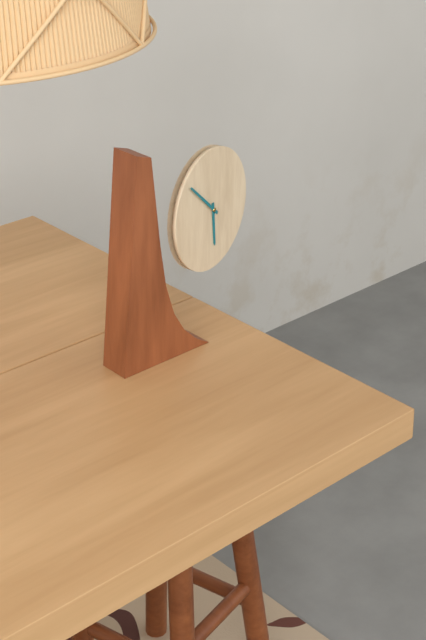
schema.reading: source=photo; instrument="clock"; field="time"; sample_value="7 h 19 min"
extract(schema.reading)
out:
5 h 52 min
